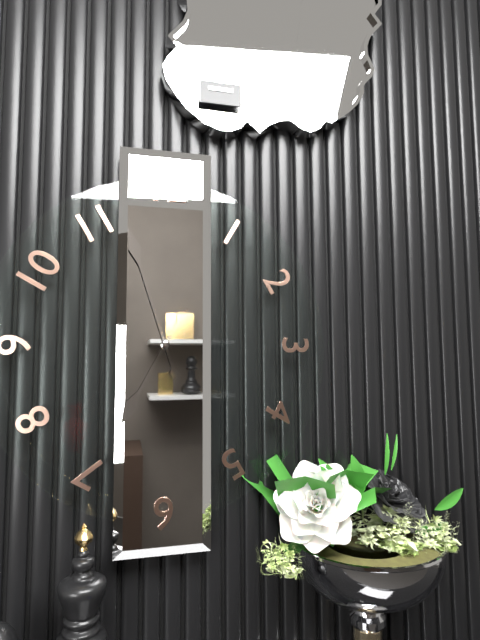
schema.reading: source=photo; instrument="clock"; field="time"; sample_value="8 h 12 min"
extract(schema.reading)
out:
6 h 57 min
